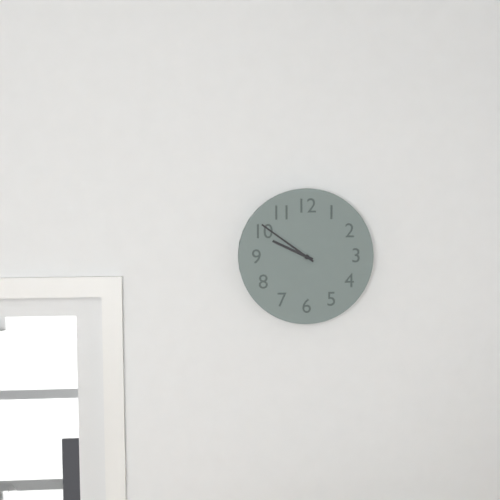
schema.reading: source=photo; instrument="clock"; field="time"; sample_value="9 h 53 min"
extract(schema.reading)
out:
9 h 51 min
